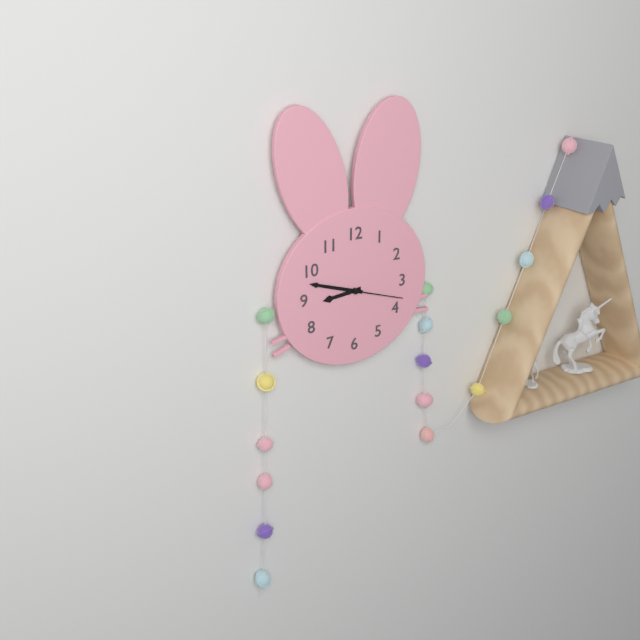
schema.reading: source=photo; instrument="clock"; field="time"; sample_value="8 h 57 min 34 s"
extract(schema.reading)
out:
8 h 48 min 18 s
